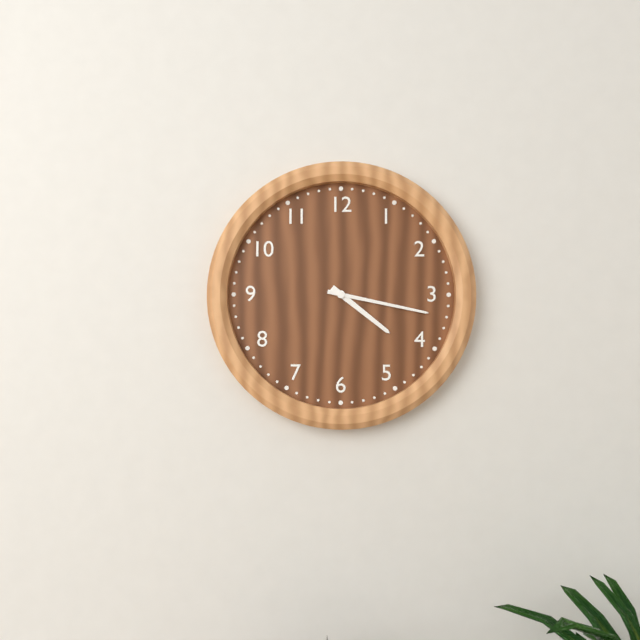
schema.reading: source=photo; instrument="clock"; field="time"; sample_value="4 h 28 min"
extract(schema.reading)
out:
4 h 17 min
